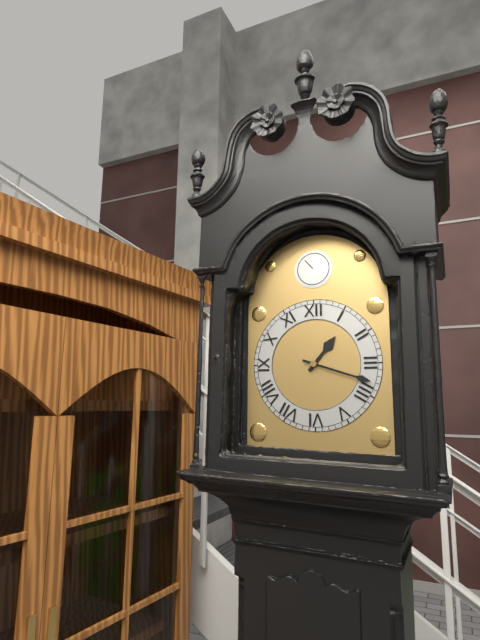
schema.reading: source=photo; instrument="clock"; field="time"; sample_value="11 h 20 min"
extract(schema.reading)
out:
1 h 18 min
